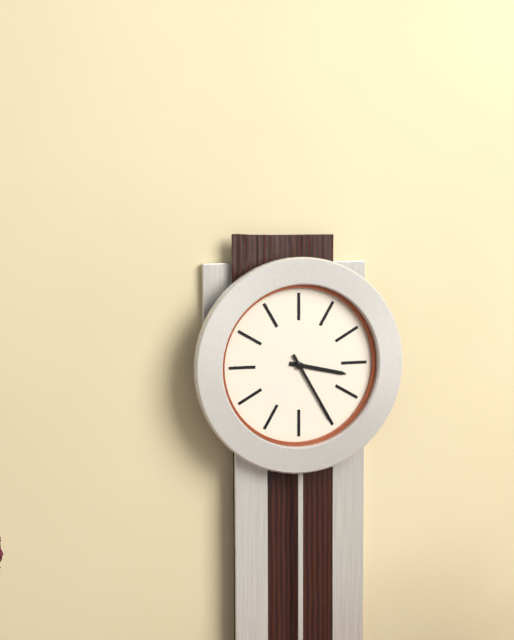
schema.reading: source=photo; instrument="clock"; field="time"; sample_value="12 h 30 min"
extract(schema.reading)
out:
3 h 25 min
